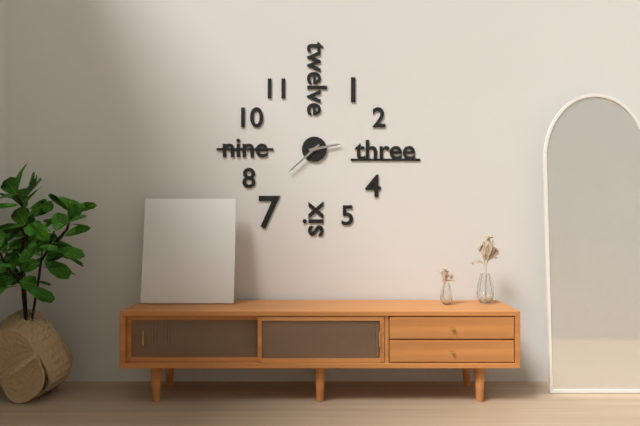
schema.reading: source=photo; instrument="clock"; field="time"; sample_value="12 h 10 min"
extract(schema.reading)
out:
2 h 38 min
